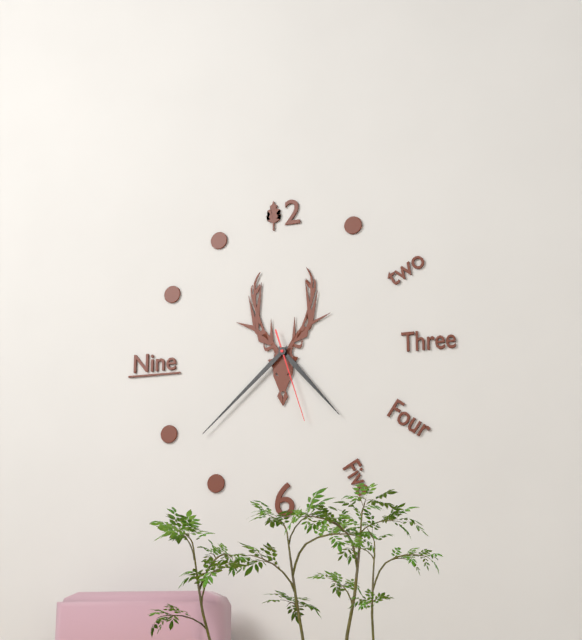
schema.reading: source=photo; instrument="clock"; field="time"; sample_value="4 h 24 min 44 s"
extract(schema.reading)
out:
4 h 38 min 27 s
